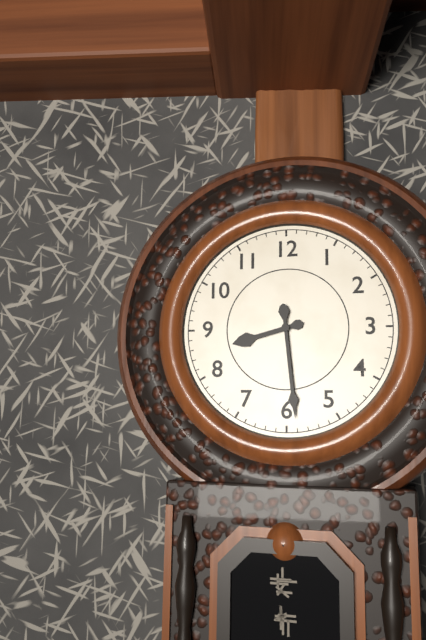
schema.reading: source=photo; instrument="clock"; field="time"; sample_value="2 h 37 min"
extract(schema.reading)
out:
8 h 29 min
